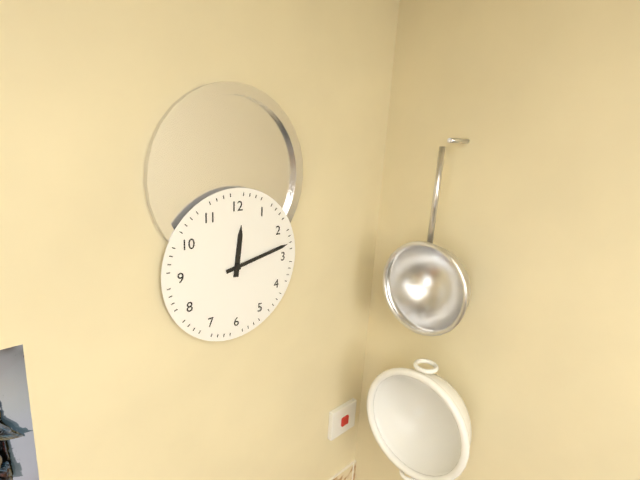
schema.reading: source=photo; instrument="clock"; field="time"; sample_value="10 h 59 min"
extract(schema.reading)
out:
12 h 13 min
